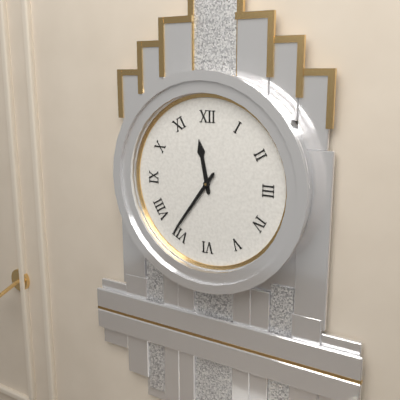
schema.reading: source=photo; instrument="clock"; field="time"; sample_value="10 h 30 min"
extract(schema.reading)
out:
11 h 36 min
